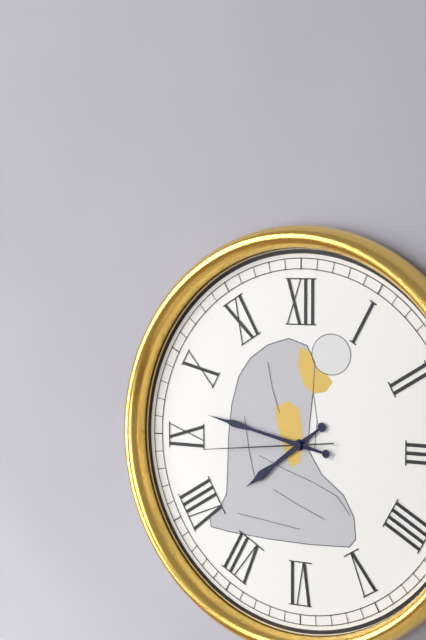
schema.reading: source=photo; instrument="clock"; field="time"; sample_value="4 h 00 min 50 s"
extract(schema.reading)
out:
7 h 47 min 44 s
